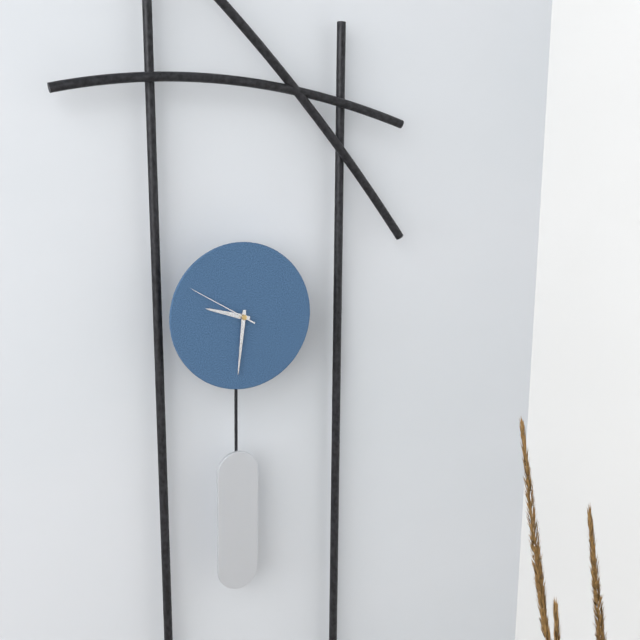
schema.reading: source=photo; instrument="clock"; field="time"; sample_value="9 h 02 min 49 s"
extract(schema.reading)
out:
9 h 31 min 50 s
